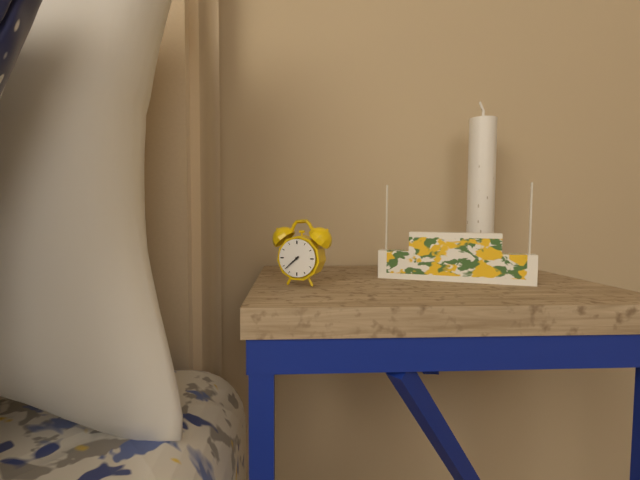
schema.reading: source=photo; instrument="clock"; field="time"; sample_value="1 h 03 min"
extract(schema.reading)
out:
7 h 38 min
